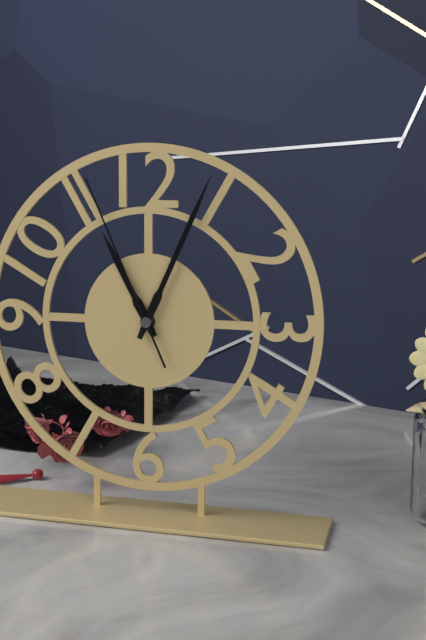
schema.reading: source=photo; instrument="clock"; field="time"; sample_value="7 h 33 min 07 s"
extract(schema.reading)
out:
11 h 04 min 56 s
